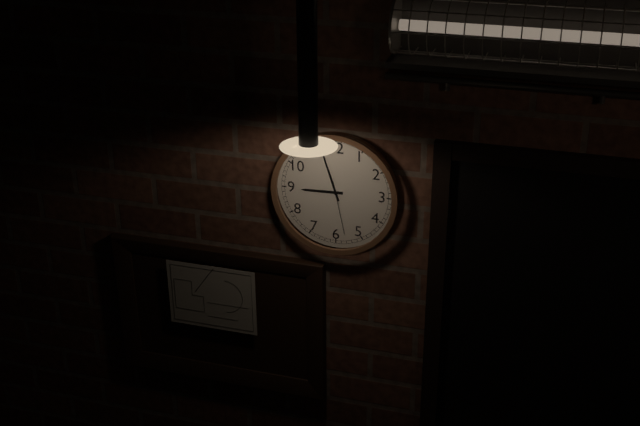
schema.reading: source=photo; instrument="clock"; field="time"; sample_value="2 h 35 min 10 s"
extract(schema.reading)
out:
8 h 57 min 28 s
